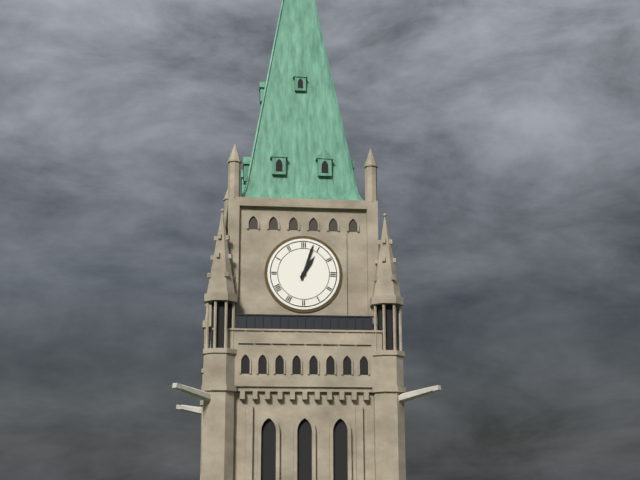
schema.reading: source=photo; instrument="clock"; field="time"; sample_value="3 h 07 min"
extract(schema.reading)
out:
1 h 03 min
